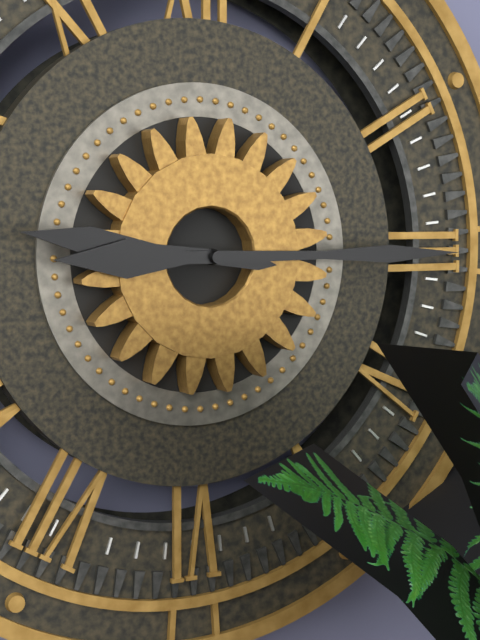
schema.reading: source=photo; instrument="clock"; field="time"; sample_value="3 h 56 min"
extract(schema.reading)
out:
9 h 15 min
